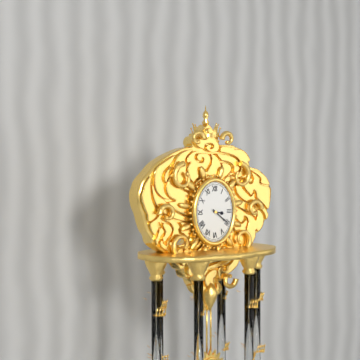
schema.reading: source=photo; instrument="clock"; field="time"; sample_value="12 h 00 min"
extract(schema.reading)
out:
3 h 21 min
